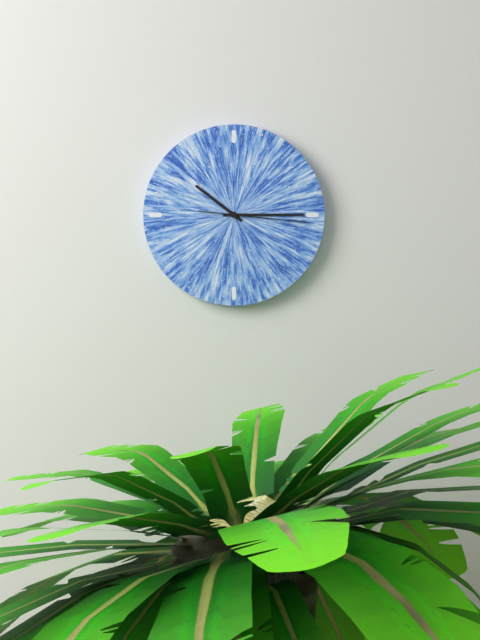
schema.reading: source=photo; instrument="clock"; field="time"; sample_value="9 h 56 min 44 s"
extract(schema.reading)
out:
10 h 15 min 16 s
